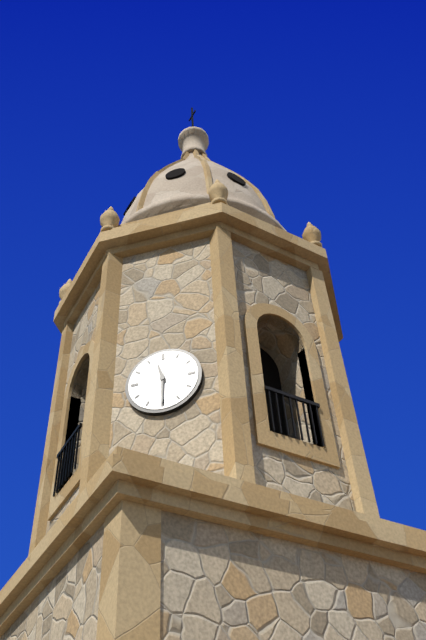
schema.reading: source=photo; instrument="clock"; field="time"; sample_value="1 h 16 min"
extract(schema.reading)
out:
11 h 30 min
